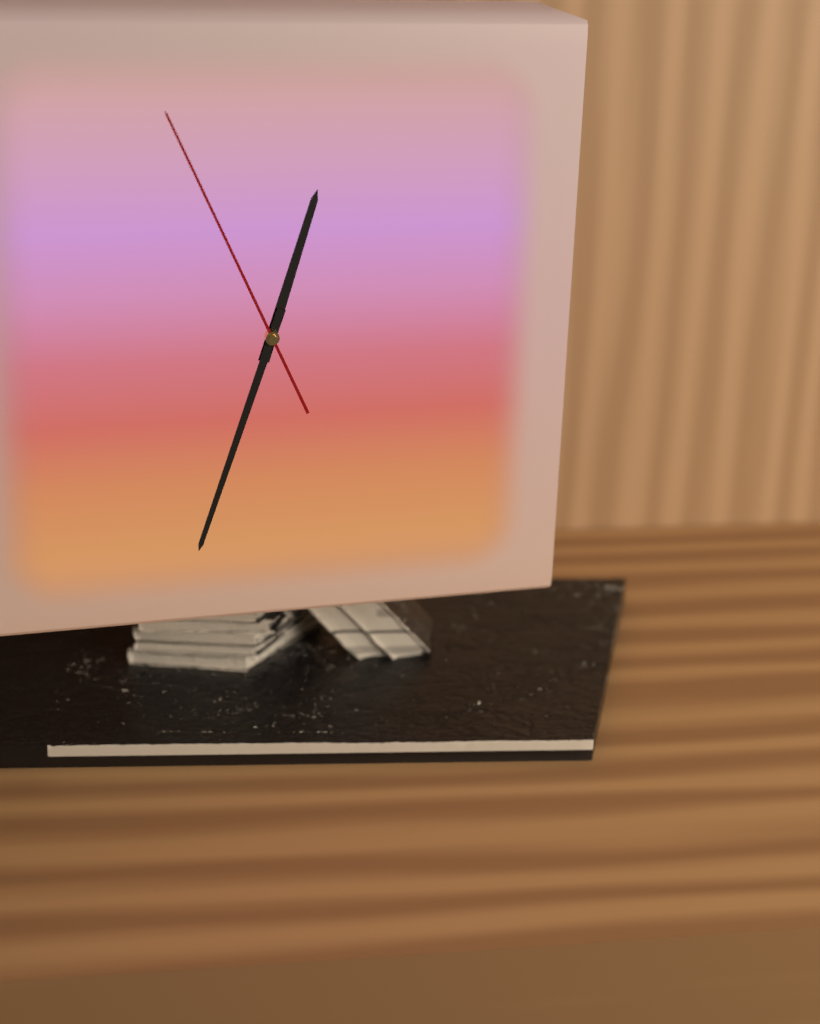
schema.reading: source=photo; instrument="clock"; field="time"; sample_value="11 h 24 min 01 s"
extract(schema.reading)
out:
12 h 33 min 56 s
